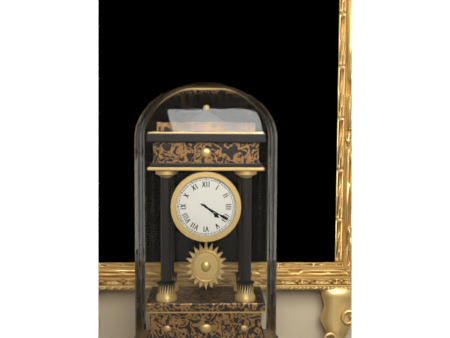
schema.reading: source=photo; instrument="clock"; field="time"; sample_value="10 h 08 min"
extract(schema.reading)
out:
4 h 20 min
